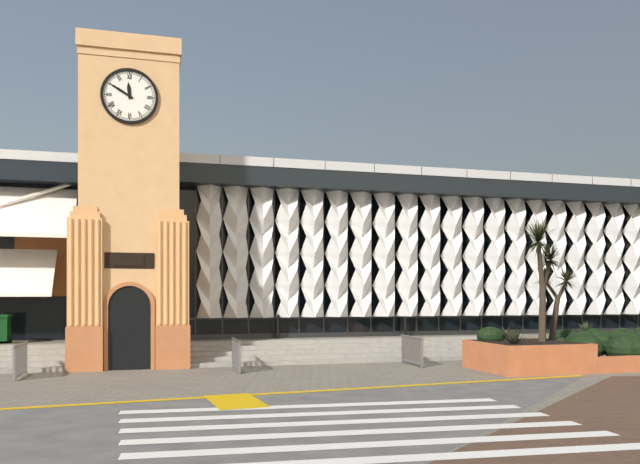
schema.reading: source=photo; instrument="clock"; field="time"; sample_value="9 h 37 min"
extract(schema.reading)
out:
11 h 50 min
